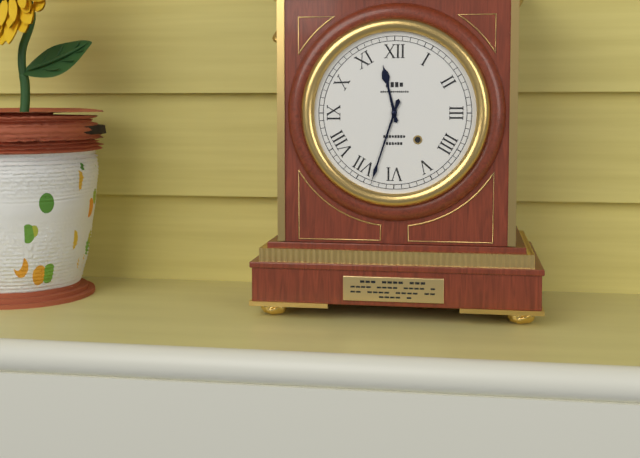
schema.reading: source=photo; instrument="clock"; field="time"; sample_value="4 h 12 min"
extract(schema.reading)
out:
11 h 33 min
